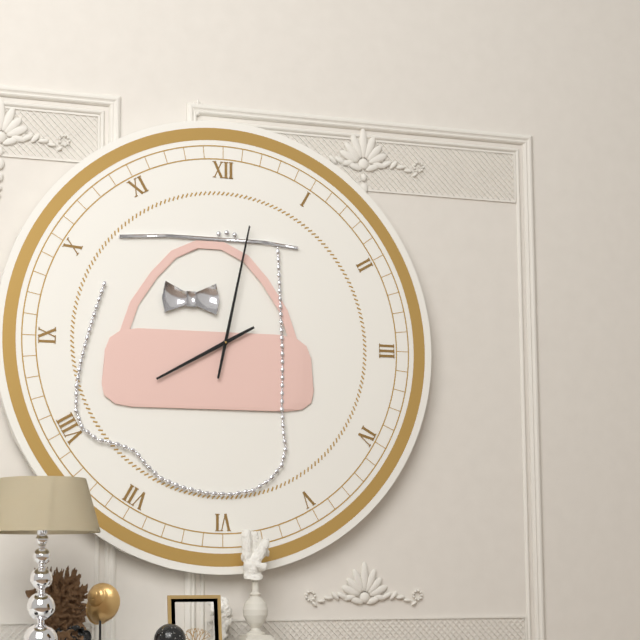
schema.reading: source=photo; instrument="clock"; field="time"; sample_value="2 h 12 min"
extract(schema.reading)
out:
8 h 02 min
